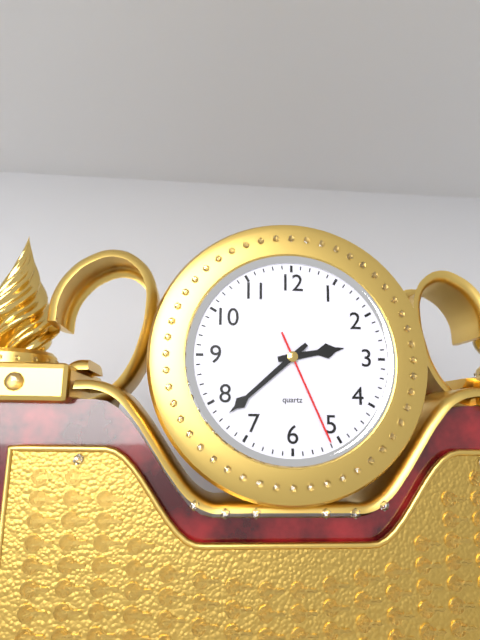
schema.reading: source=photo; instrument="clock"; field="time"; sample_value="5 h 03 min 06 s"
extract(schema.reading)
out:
2 h 38 min 26 s
